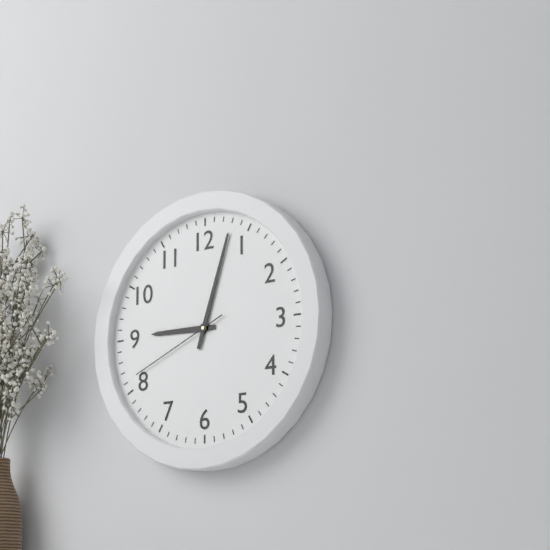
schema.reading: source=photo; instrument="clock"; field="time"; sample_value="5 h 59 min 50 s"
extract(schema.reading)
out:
9 h 03 min 41 s
